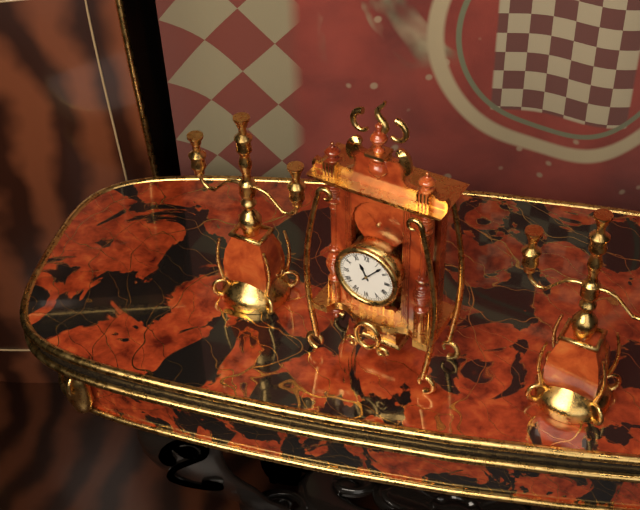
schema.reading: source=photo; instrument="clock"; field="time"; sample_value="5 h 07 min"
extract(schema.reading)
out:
11 h 07 min
